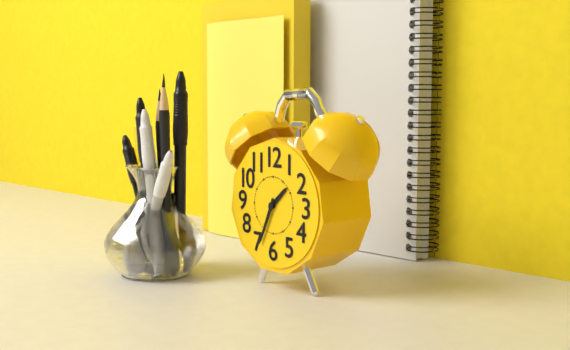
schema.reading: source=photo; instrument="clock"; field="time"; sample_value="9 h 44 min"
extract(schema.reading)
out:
1 h 34 min
